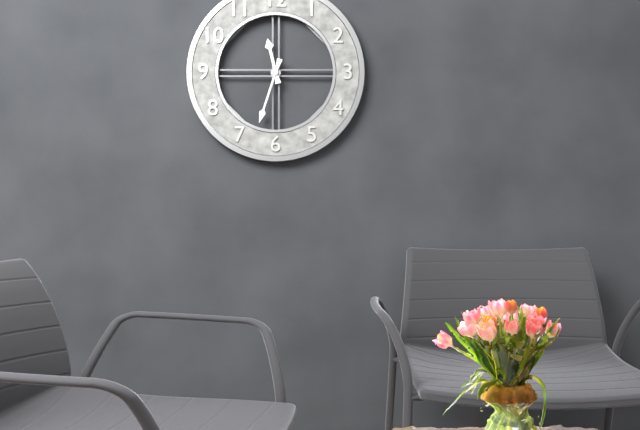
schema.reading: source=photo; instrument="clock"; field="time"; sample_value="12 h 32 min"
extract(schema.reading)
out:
11 h 33 min
